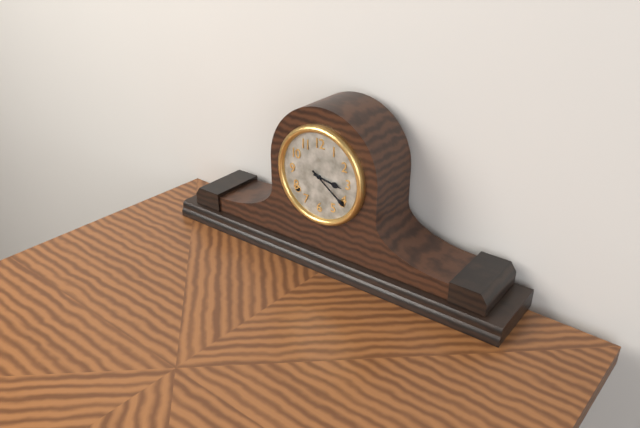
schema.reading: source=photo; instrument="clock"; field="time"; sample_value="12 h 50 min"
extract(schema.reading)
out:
3 h 21 min
